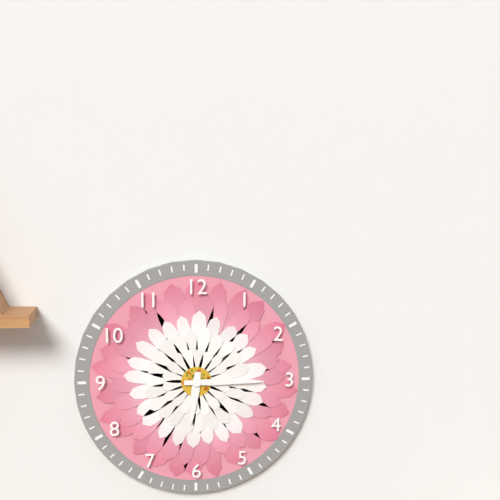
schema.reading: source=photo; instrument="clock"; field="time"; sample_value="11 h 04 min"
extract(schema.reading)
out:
6 h 15 min
